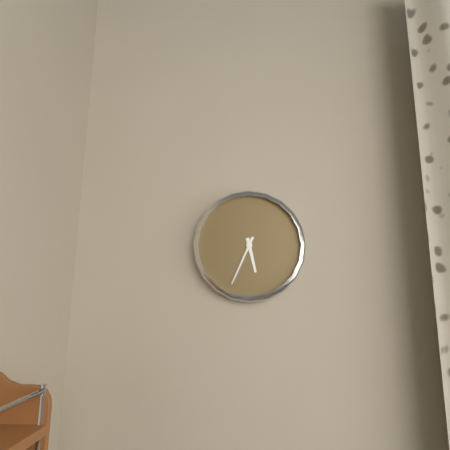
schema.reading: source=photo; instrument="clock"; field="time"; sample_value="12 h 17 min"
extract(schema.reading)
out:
5 h 34 min
